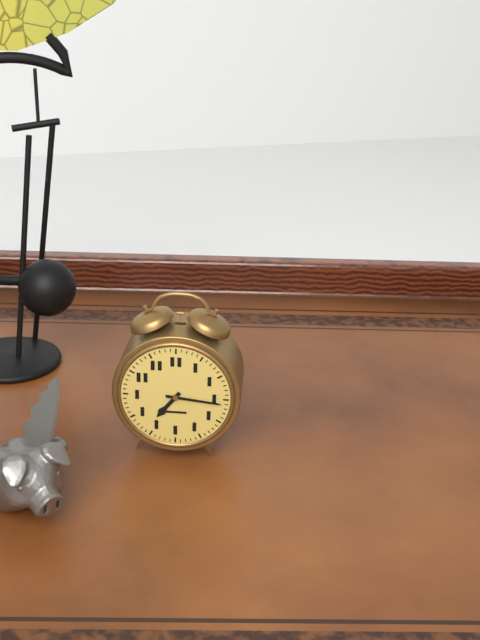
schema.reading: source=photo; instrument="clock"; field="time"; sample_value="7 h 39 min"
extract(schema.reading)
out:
7 h 16 min
